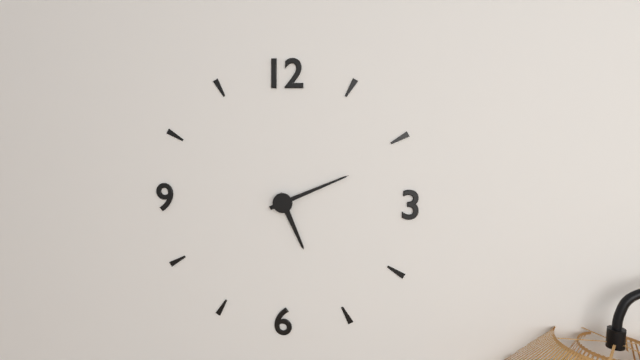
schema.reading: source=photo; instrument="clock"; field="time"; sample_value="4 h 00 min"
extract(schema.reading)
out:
5 h 11 min
